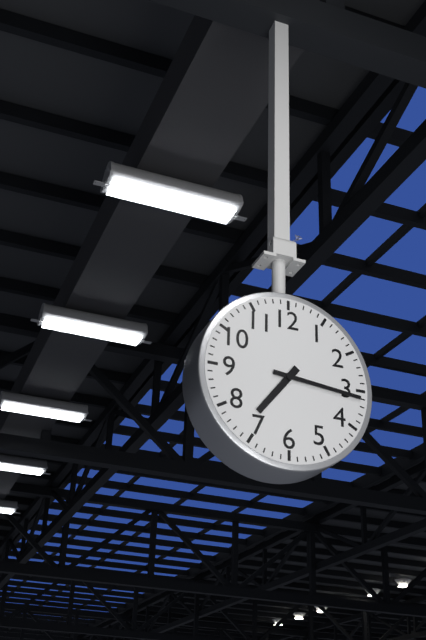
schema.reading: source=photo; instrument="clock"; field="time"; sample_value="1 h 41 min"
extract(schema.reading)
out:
7 h 16 min
